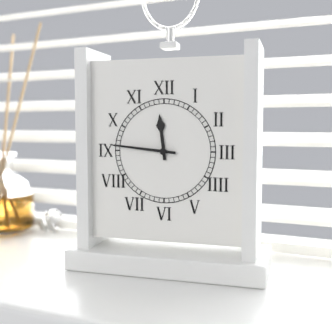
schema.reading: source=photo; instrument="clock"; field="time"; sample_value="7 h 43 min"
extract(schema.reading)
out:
11 h 46 min
